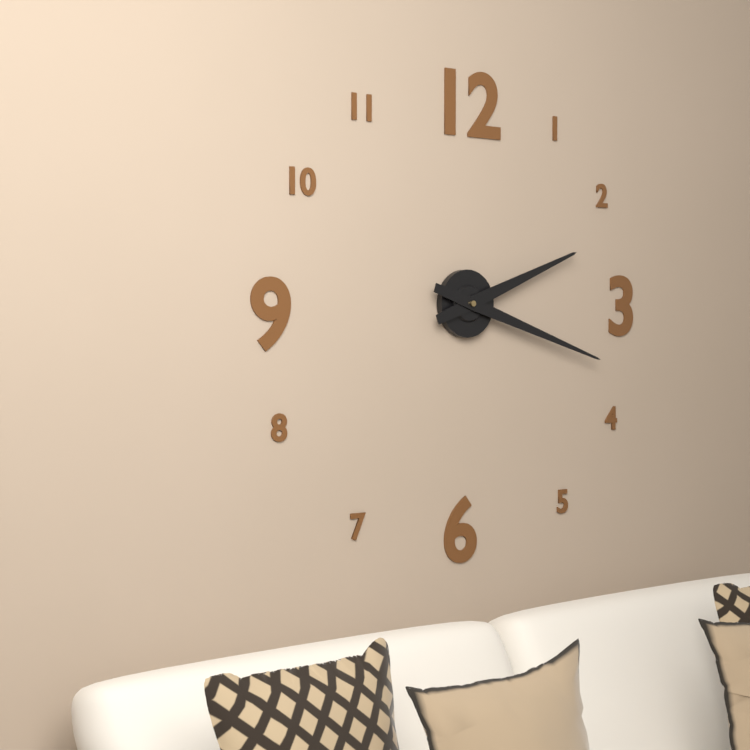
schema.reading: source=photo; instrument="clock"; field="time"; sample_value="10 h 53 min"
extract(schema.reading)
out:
2 h 18 min
